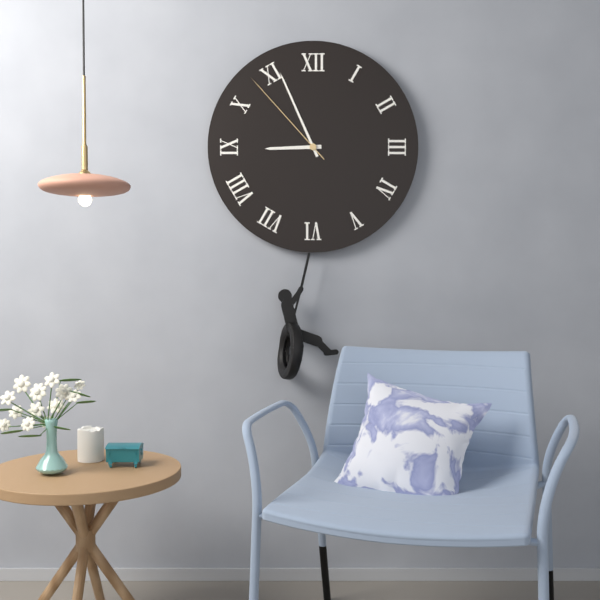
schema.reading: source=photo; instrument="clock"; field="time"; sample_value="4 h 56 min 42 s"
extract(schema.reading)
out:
8 h 56 min 53 s
